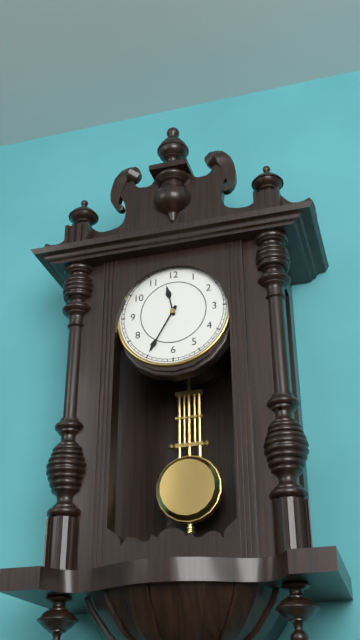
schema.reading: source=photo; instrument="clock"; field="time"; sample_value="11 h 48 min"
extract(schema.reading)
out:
11 h 35 min
